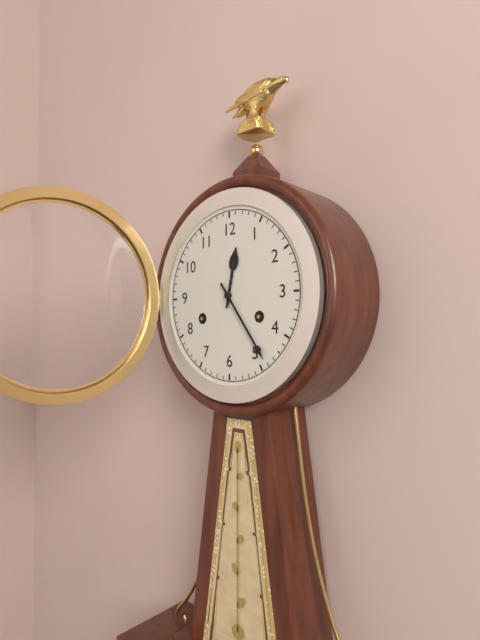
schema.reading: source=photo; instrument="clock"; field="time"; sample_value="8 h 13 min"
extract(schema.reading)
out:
12 h 24 min
